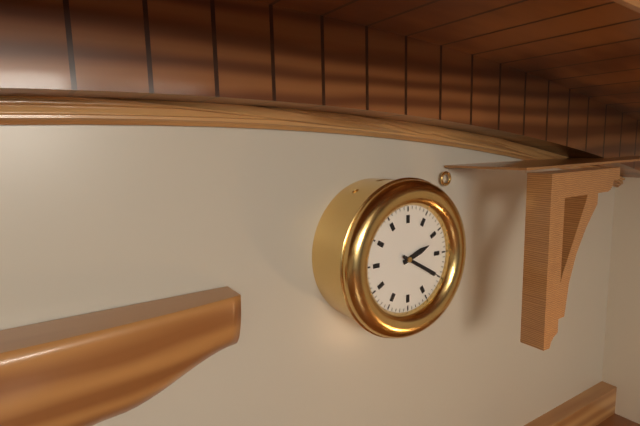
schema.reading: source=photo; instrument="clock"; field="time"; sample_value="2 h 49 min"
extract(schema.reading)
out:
2 h 20 min
